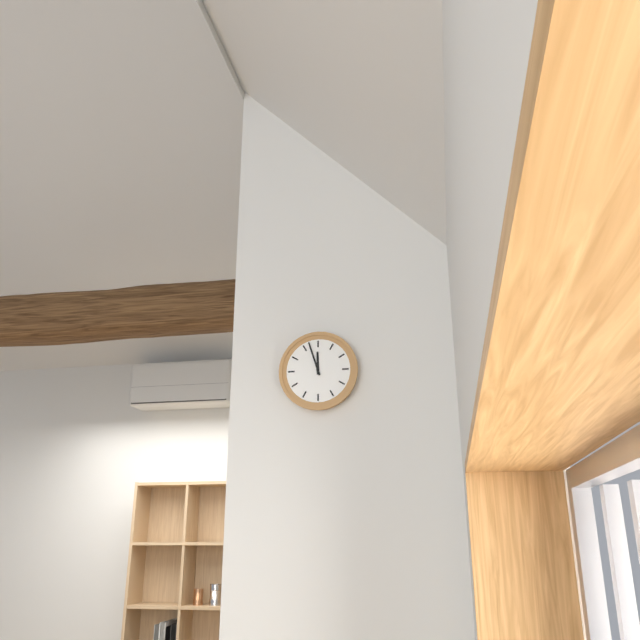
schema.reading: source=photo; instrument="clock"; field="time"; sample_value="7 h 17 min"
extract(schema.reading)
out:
11 h 57 min
